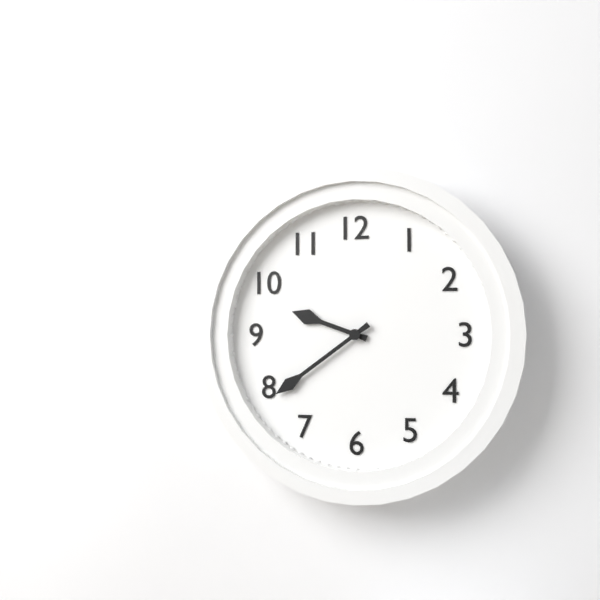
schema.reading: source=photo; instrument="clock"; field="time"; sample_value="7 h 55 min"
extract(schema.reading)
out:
9 h 39 min
